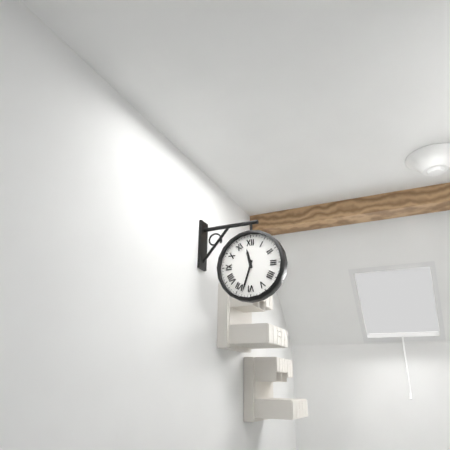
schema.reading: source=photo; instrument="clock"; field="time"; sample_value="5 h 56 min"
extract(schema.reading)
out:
11 h 33 min
